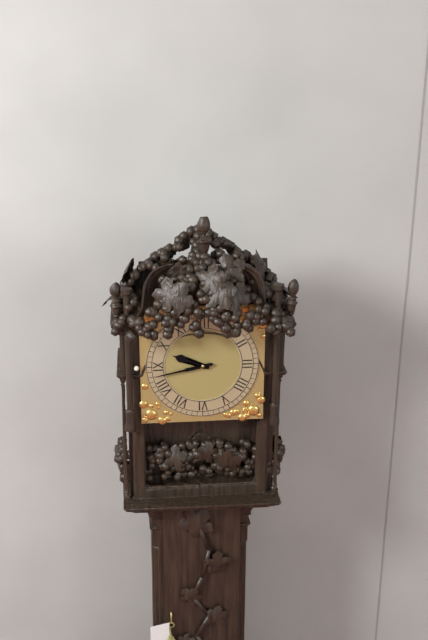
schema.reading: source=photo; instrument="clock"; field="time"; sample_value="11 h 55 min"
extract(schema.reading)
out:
9 h 43 min
